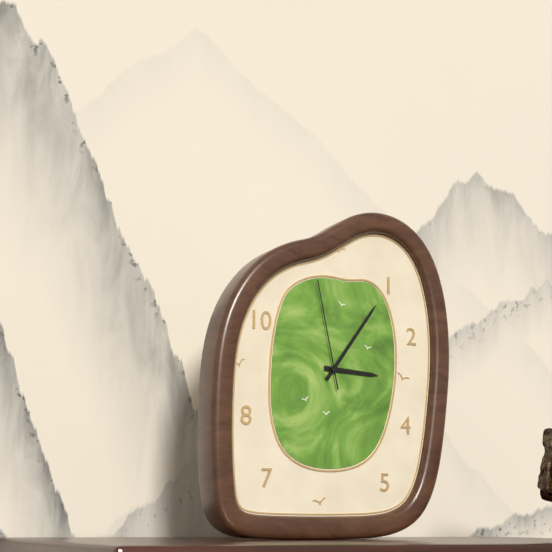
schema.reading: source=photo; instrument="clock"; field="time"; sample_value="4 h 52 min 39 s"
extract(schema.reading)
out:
3 h 06 min 58 s
